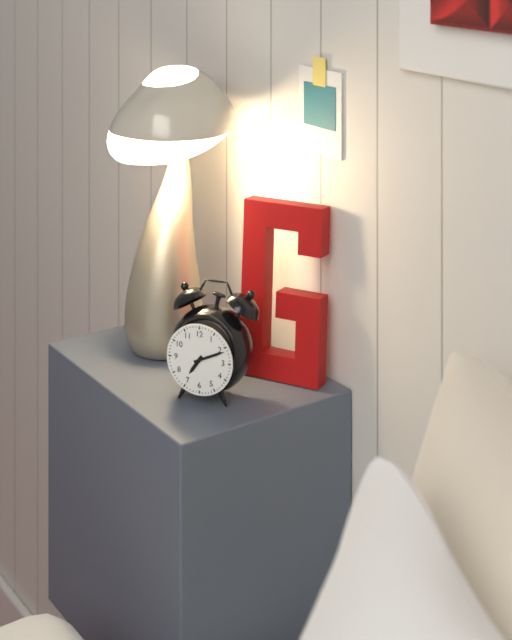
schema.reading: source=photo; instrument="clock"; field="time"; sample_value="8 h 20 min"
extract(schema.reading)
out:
7 h 11 min
